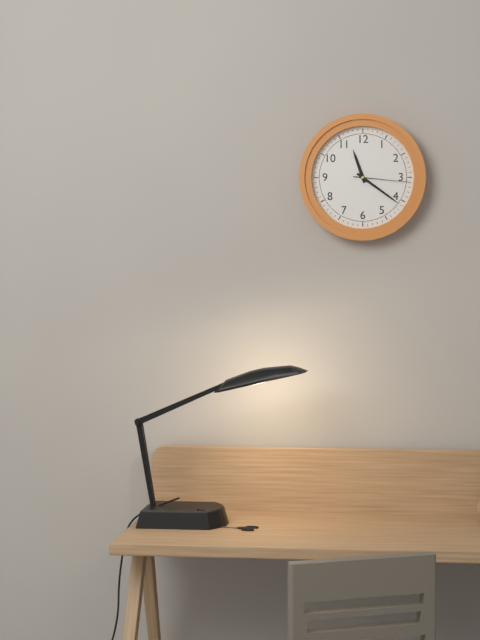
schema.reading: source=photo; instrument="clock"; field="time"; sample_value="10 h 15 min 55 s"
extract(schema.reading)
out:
11 h 21 min 16 s
